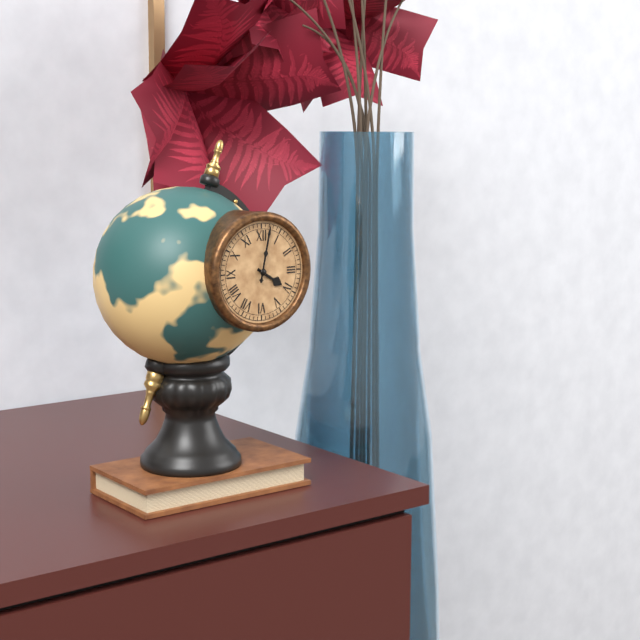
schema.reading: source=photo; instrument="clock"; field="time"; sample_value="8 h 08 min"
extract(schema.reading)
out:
4 h 02 min
